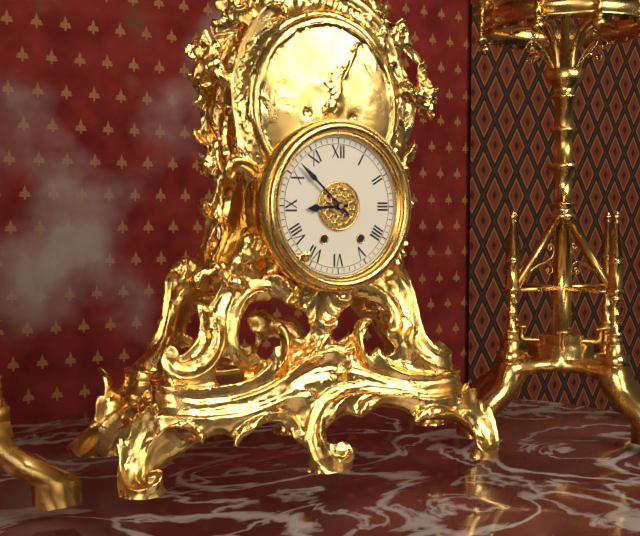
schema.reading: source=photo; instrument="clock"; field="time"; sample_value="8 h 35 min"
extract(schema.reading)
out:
8 h 52 min
